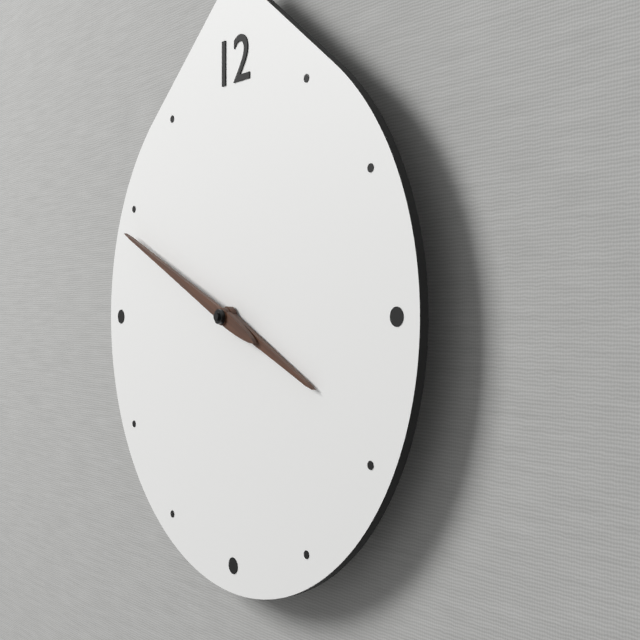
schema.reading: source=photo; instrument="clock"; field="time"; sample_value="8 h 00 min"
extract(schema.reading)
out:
3 h 49 min
